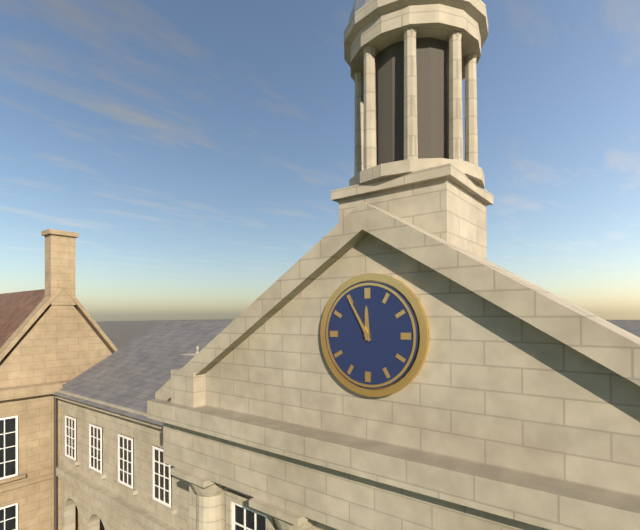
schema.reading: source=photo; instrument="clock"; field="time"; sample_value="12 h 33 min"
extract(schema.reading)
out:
11 h 55 min
